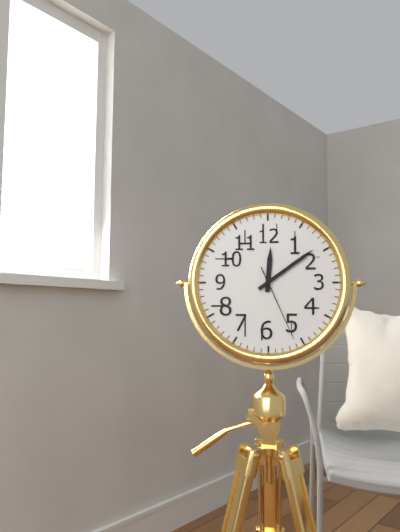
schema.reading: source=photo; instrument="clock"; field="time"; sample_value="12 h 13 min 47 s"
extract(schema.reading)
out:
12 h 09 min 26 s
